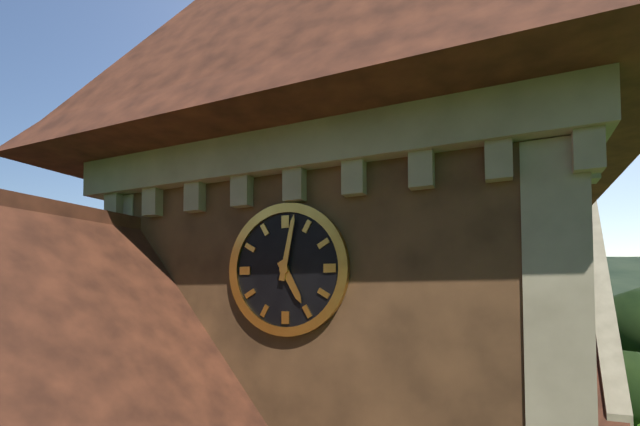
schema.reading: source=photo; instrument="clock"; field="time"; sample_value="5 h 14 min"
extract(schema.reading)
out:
5 h 02 min
